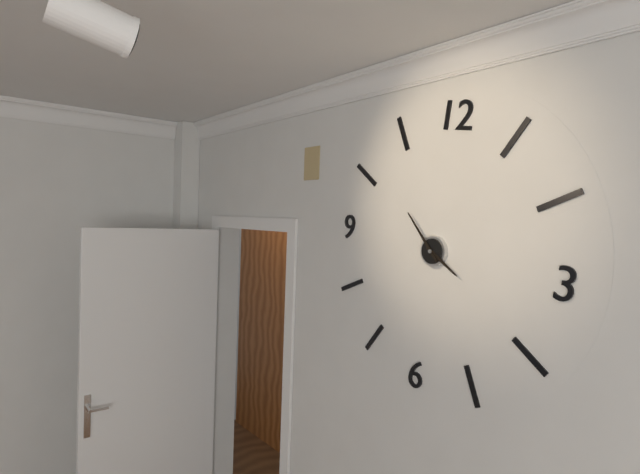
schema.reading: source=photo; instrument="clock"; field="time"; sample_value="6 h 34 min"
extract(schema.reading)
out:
3 h 52 min
